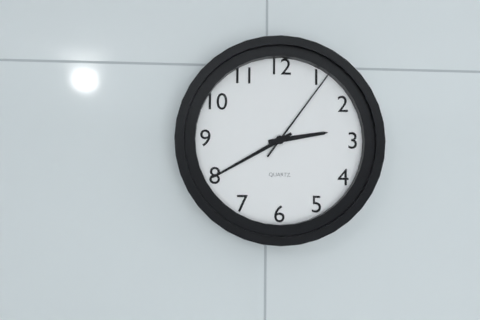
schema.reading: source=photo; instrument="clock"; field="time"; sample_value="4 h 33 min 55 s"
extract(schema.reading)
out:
2 h 40 min 06 s
